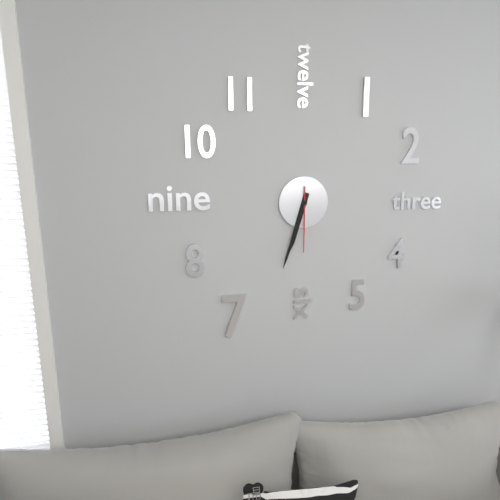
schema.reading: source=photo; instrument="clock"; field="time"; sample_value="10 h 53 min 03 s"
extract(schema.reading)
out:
6 h 33 min 30 s
